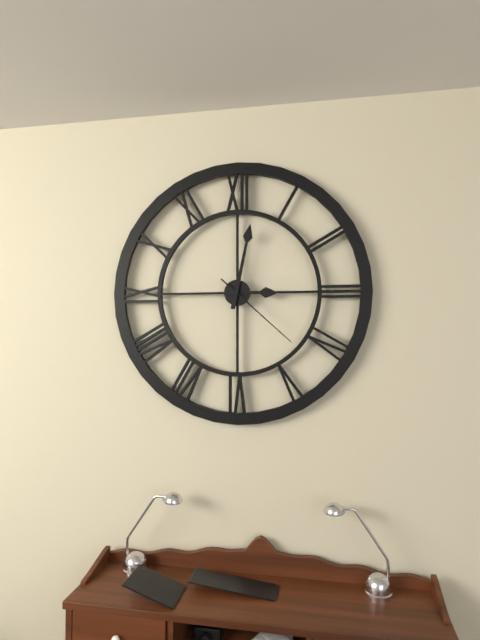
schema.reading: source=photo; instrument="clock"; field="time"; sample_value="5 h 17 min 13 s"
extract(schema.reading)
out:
3 h 02 min 22 s
